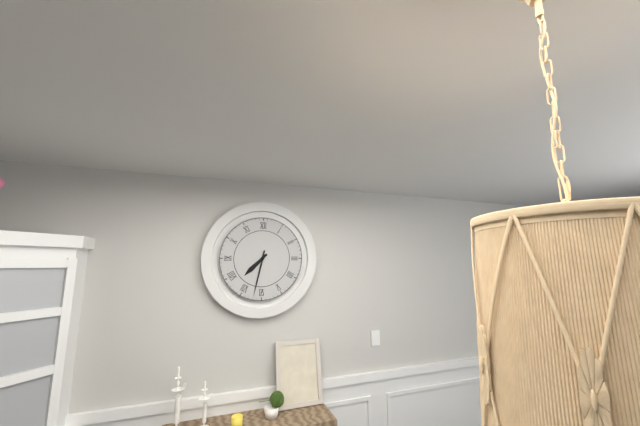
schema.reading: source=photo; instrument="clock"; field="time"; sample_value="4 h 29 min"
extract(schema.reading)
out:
7 h 32 min
